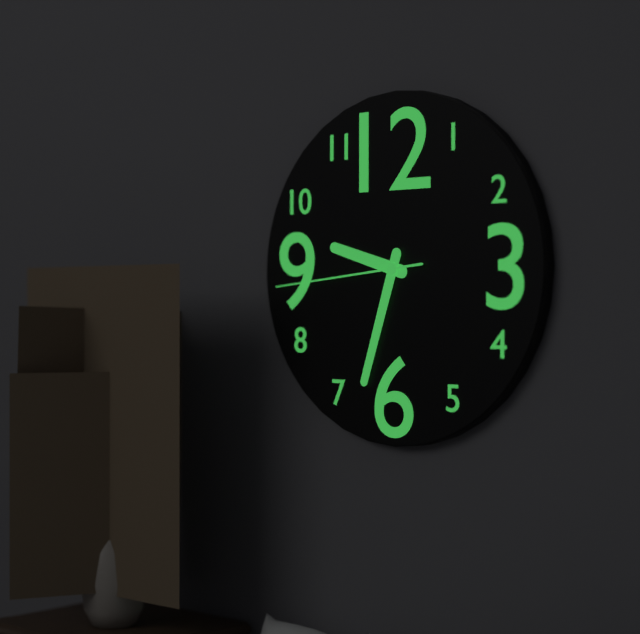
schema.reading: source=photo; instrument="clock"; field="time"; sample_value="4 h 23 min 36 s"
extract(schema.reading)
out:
9 h 33 min 44 s
